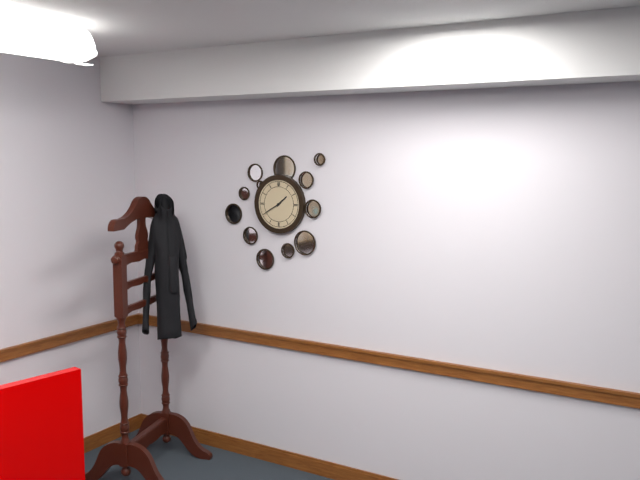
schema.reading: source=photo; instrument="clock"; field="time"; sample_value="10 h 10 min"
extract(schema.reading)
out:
1 h 40 min
